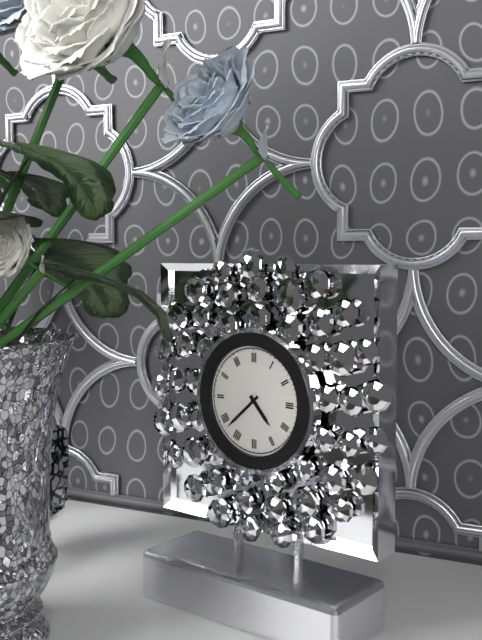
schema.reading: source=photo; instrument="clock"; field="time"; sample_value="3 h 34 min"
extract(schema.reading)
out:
4 h 38 min
